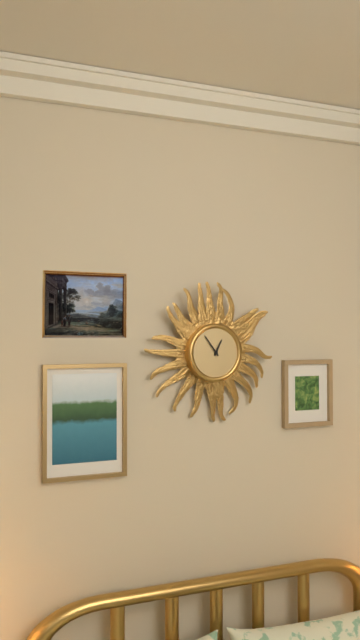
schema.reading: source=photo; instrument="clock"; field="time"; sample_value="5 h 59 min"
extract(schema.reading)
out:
12 h 54 min
